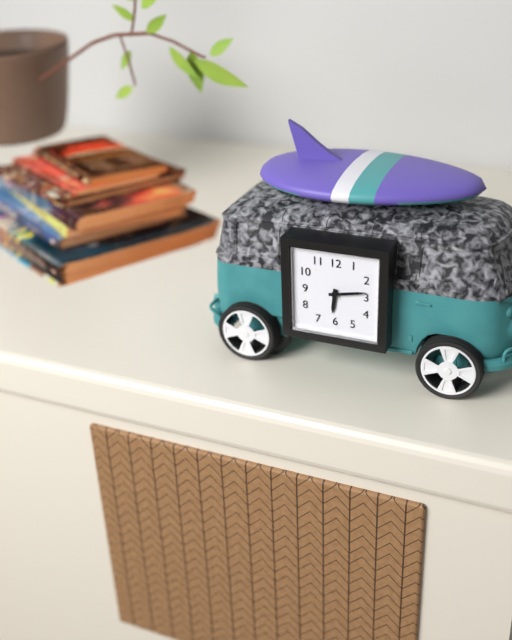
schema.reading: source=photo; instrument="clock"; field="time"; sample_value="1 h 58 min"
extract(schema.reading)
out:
6 h 13 min
